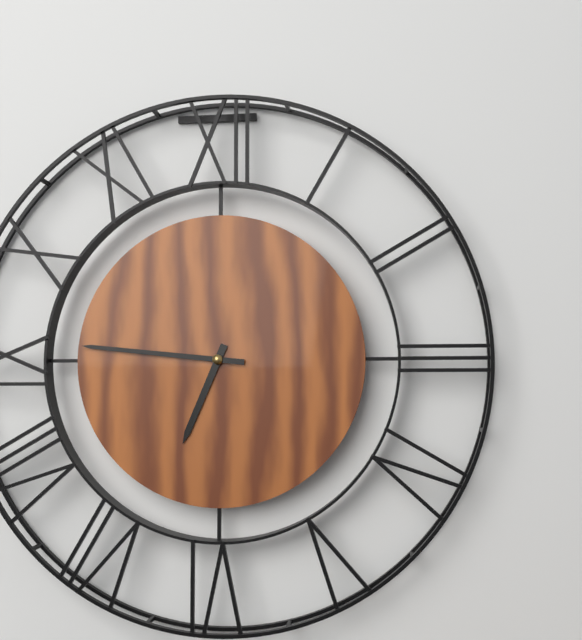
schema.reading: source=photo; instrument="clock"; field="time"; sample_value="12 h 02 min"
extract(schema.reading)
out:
6 h 46 min
